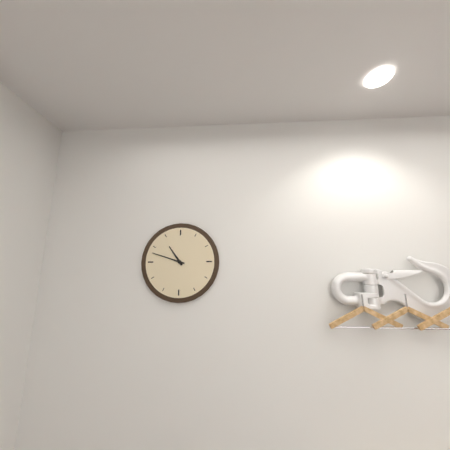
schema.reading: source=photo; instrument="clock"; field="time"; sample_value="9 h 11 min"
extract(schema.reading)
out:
10 h 48 min
